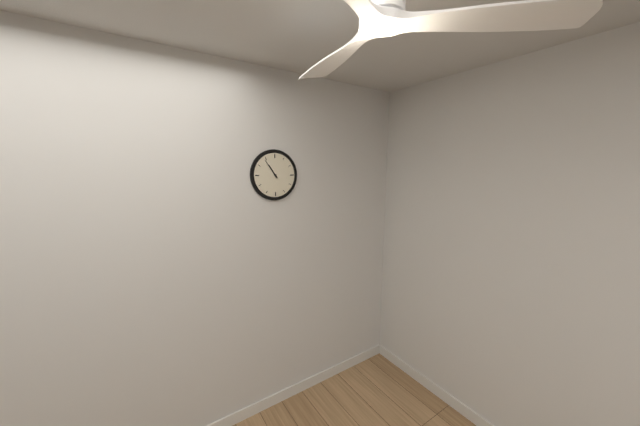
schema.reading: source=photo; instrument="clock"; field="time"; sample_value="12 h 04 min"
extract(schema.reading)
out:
10 h 54 min
